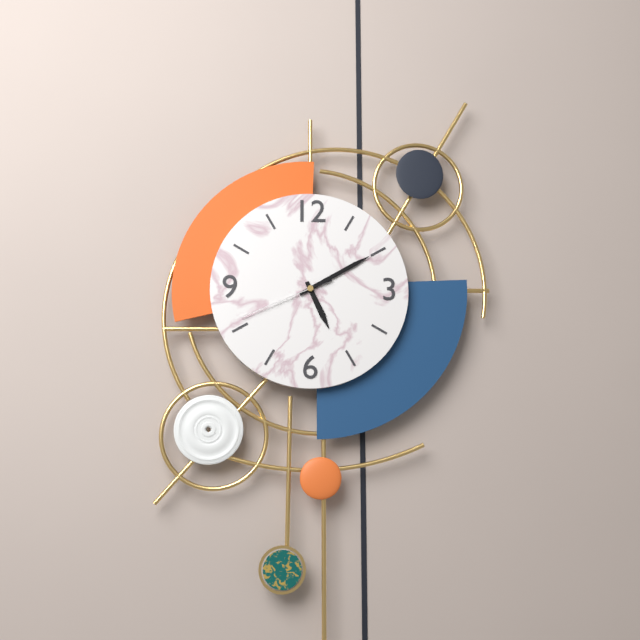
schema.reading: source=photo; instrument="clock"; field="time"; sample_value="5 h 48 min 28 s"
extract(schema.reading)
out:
5 h 10 min 41 s
